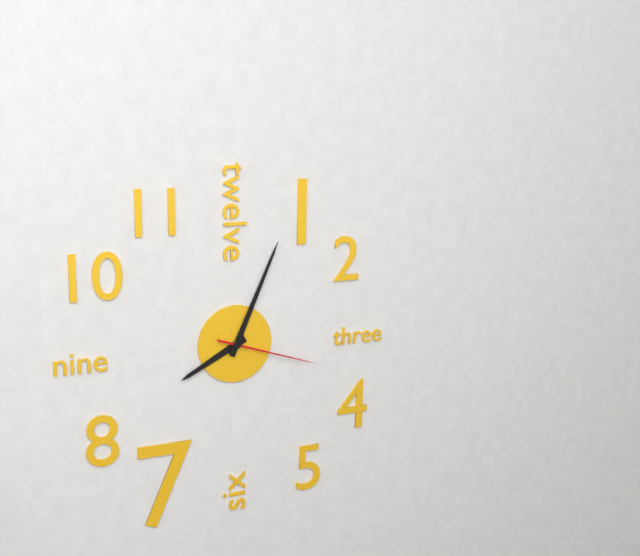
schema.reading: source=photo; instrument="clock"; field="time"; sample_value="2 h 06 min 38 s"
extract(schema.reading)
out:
8 h 04 min 18 s
